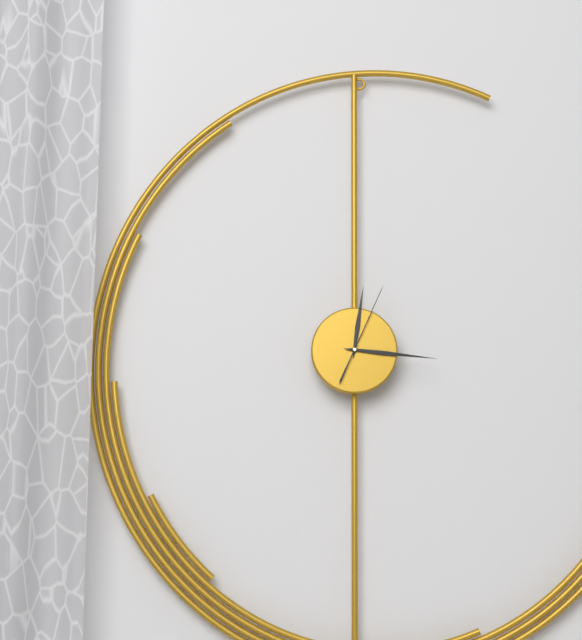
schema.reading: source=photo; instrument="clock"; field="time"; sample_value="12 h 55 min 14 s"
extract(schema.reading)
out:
12 h 16 min 04 s
